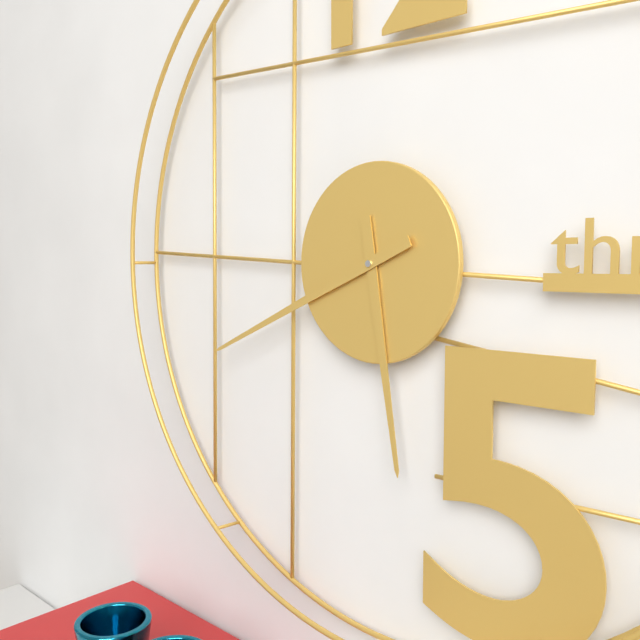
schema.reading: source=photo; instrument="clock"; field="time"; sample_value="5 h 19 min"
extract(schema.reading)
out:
5 h 41 min
